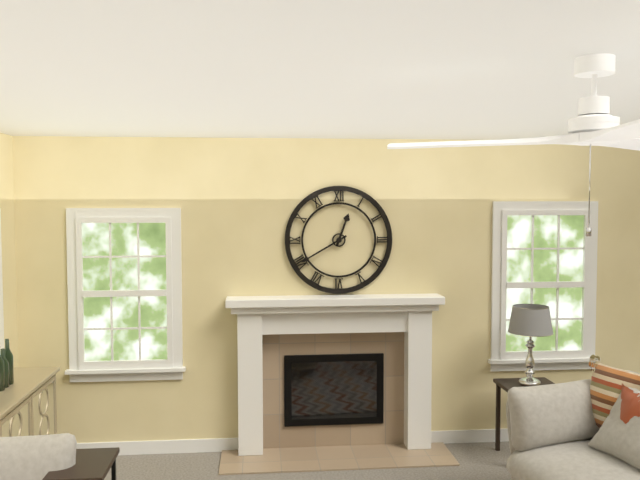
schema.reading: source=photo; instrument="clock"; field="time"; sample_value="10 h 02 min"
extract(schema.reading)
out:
12 h 40 min
